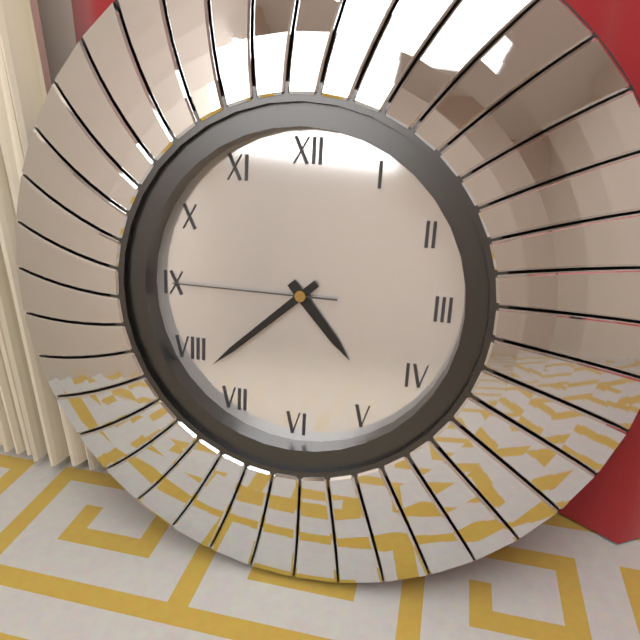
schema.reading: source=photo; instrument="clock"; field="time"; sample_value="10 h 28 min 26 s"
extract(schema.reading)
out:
4 h 38 min 45 s
